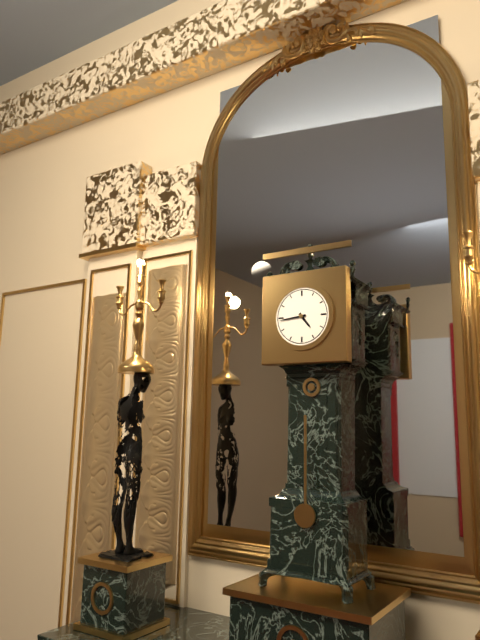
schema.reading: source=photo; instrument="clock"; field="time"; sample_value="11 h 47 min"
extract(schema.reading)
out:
4 h 44 min
